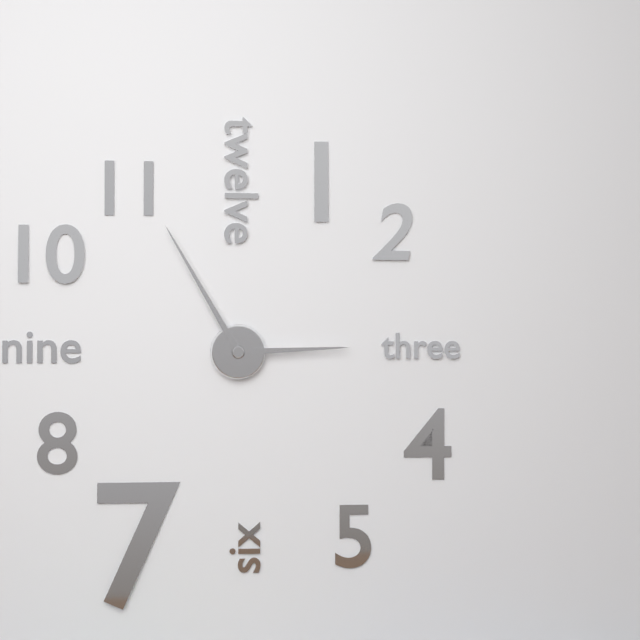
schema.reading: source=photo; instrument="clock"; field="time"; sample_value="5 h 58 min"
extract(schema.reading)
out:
2 h 55 min
